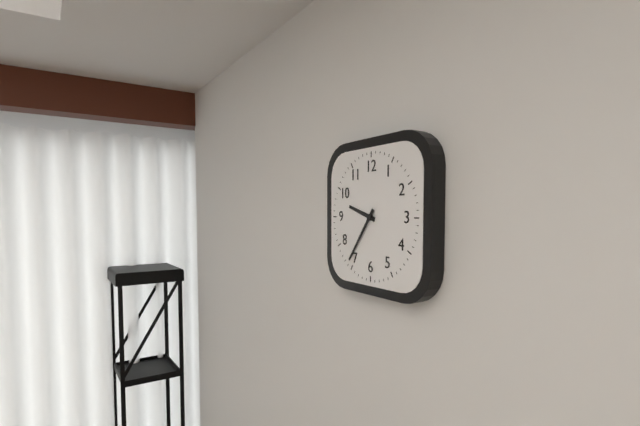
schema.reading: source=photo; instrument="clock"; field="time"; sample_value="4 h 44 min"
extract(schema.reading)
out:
9 h 36 min
